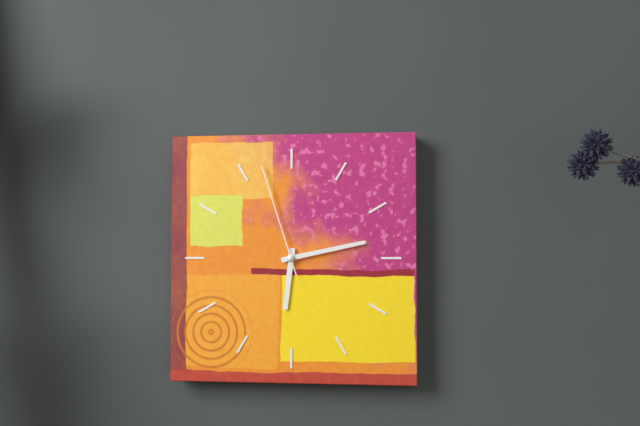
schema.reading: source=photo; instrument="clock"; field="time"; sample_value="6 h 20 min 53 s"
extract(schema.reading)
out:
6 h 13 min 57 s
